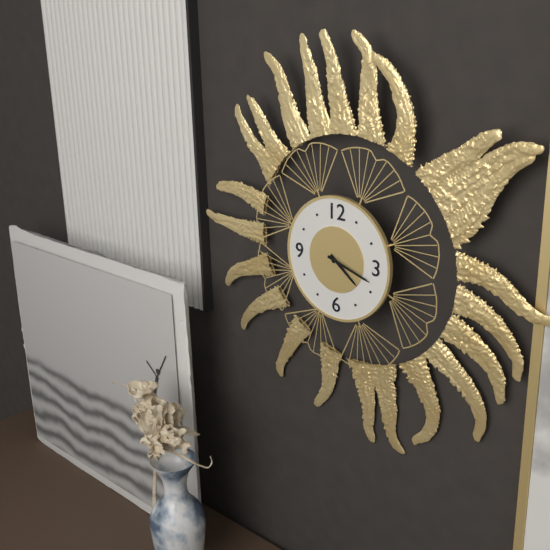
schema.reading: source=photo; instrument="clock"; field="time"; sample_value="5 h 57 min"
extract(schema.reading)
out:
4 h 18 min
